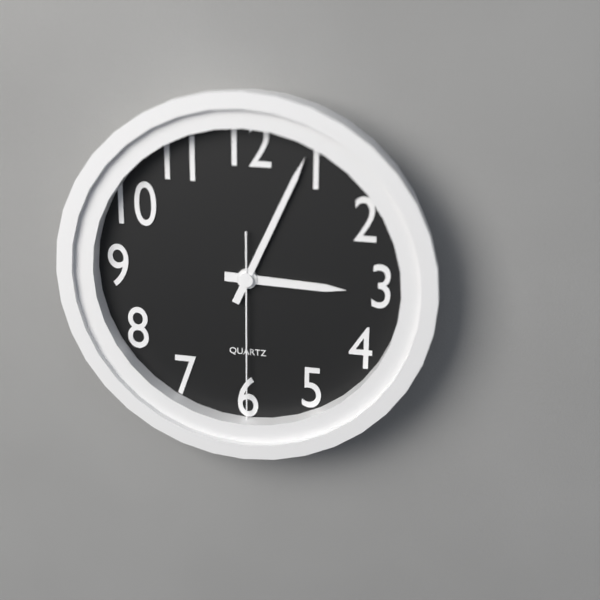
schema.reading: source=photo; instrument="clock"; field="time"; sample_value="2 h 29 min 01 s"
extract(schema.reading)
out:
3 h 04 min 30 s
